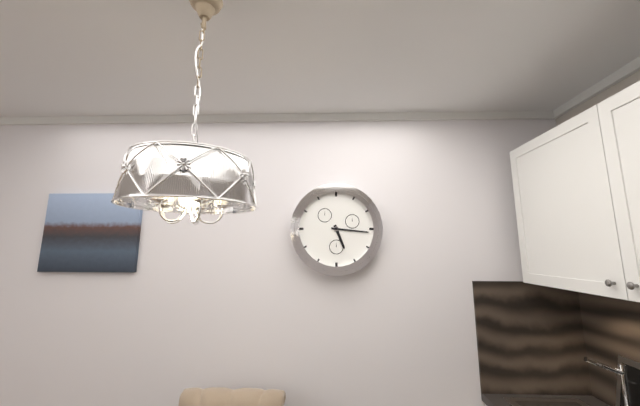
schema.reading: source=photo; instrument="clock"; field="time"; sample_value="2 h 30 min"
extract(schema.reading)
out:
5 h 16 min
